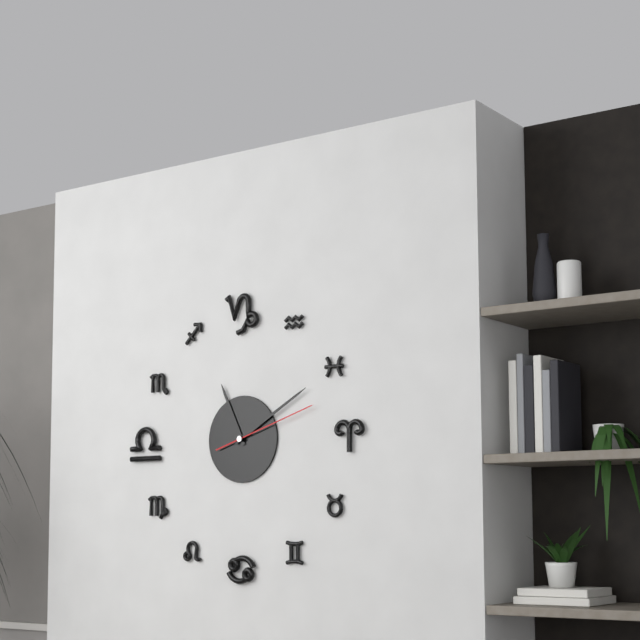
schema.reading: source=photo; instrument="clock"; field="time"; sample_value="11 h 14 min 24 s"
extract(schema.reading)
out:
11 h 10 min 12 s
